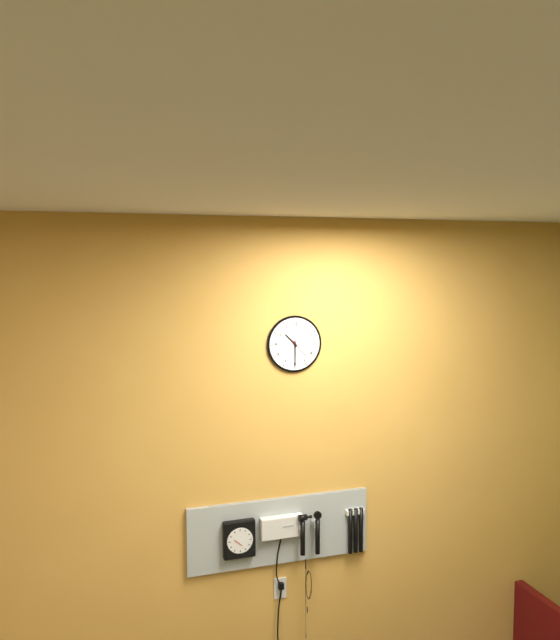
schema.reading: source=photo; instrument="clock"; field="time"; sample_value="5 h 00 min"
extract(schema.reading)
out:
10 h 30 min
